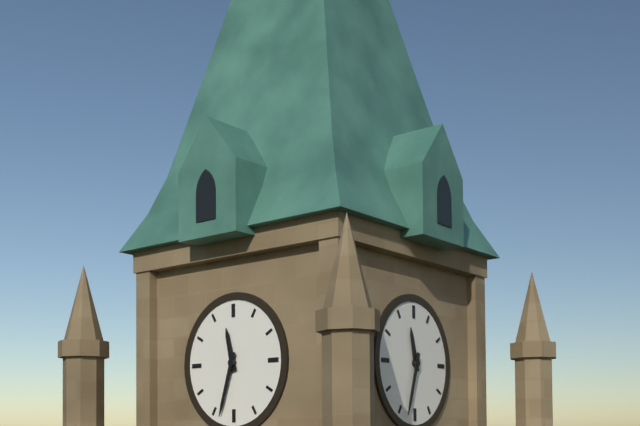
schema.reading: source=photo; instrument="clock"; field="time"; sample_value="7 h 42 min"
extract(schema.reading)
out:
11 h 33 min
